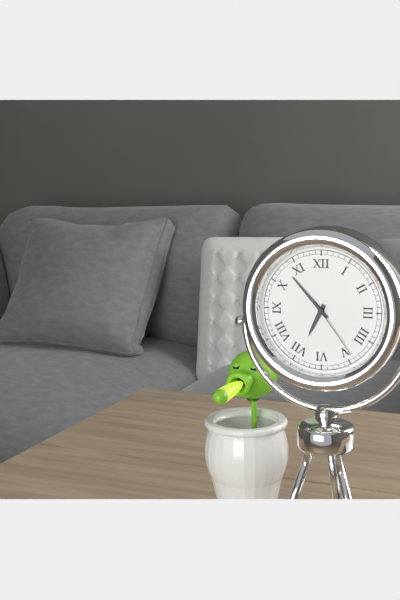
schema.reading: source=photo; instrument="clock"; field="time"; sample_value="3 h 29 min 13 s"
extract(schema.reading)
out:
6 h 53 min 24 s
